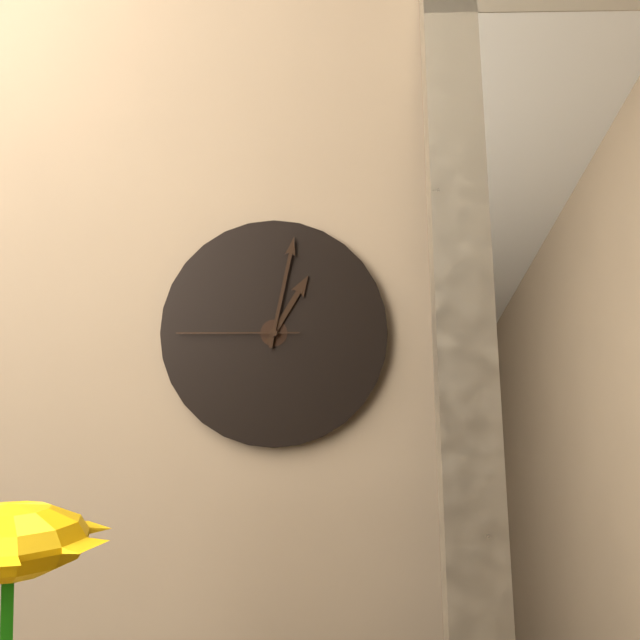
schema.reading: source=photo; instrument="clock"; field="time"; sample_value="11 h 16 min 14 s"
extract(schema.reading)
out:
1 h 02 min 45 s
